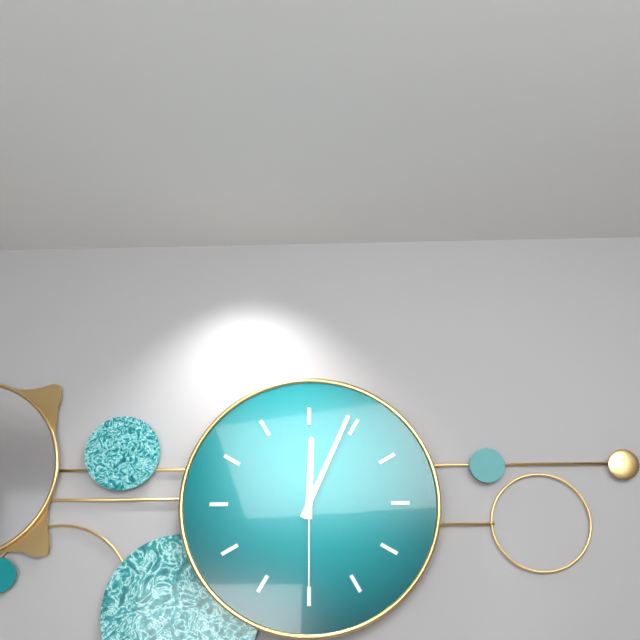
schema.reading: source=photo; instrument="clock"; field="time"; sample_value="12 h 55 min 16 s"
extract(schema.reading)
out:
12 h 04 min 30 s
